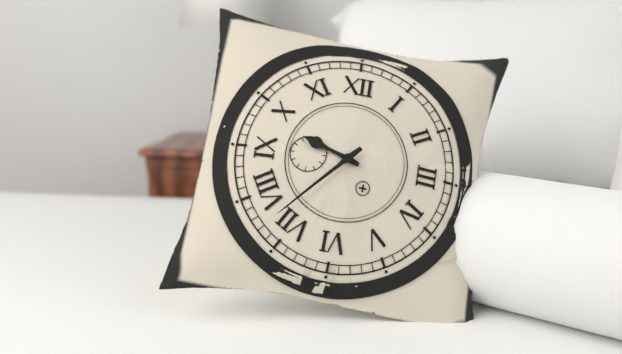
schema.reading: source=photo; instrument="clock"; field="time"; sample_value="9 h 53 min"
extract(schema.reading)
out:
9 h 37 min
